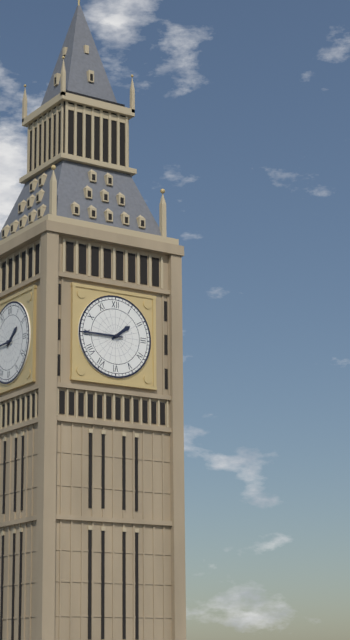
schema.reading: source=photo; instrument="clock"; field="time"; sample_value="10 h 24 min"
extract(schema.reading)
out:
1 h 45 min
